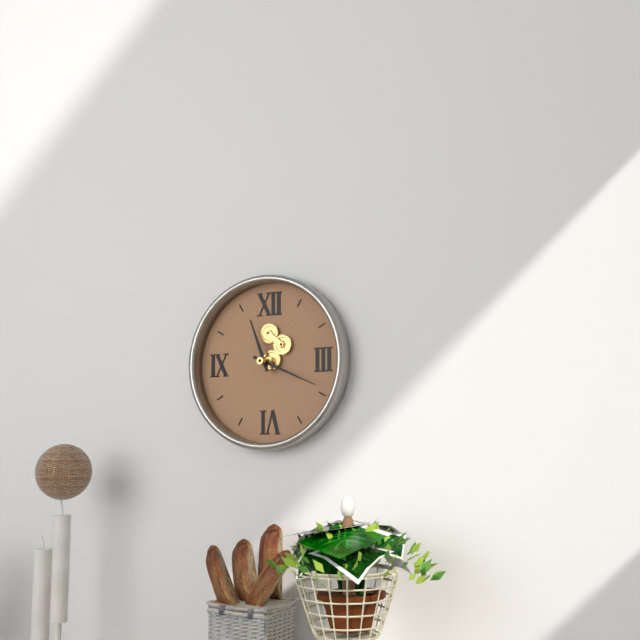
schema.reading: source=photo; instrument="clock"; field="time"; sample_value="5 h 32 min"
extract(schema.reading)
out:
11 h 19 min
